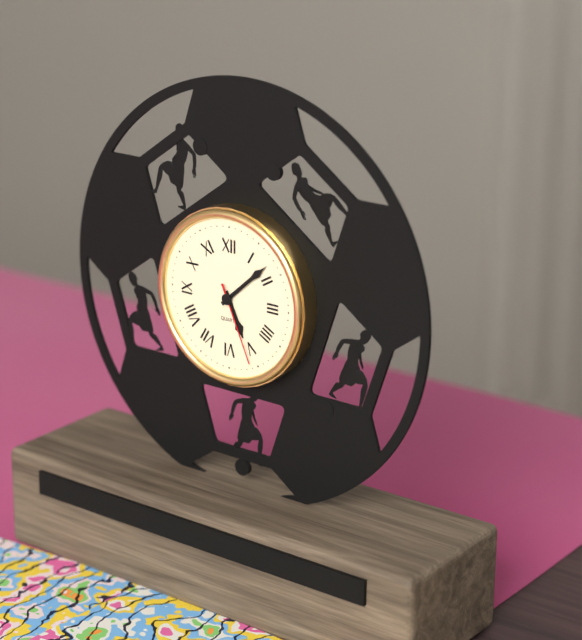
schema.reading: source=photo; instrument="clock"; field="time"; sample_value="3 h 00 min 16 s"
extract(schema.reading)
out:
5 h 08 min 26 s
